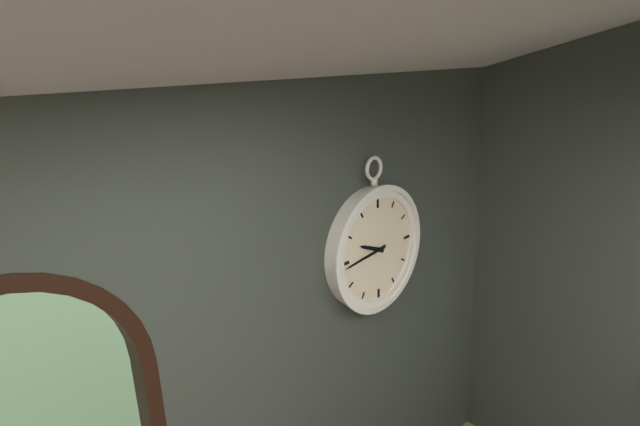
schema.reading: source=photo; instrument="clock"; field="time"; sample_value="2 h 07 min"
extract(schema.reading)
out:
9 h 44 min
